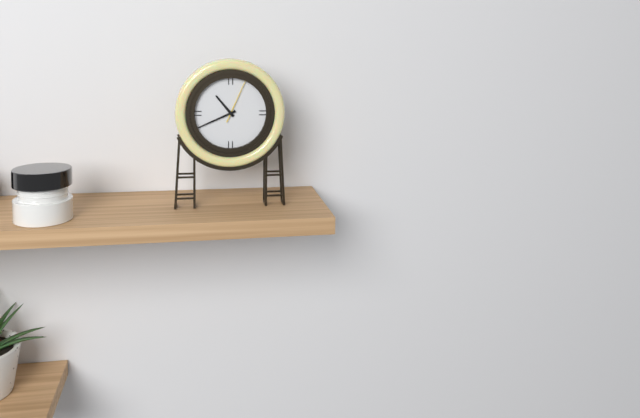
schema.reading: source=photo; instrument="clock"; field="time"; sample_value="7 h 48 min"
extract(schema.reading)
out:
10 h 41 min
